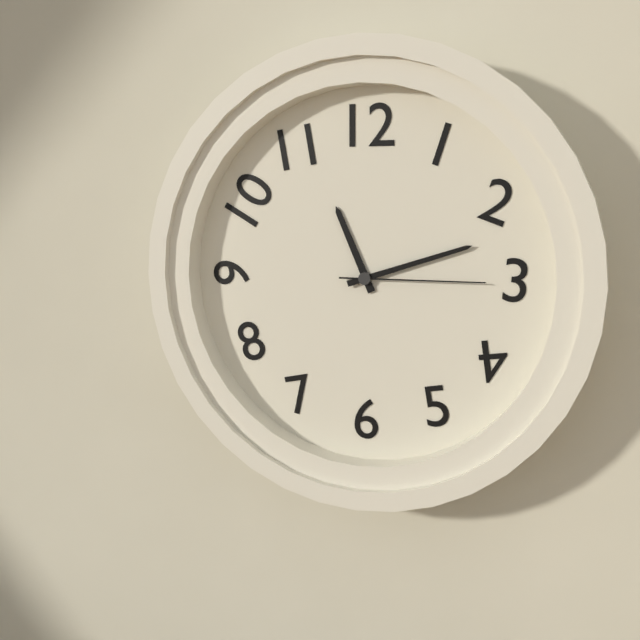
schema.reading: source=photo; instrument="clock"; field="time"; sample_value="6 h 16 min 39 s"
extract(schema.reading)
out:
11 h 12 min 15 s
